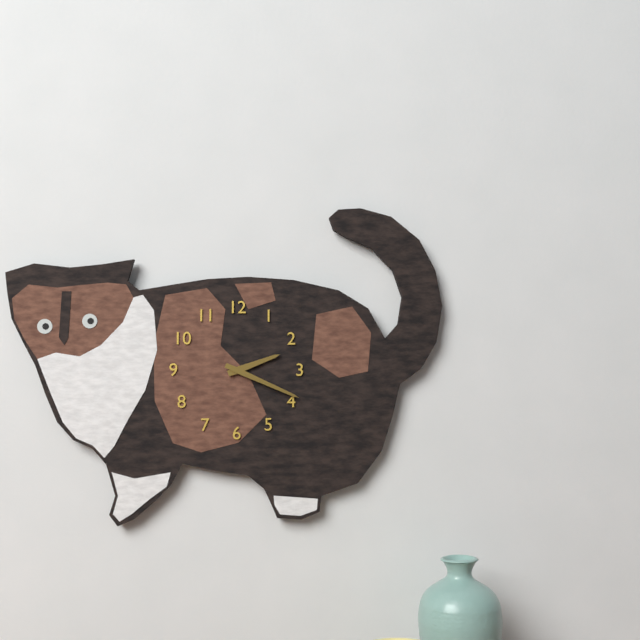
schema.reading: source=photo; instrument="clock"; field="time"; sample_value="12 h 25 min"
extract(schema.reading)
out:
2 h 19 min
